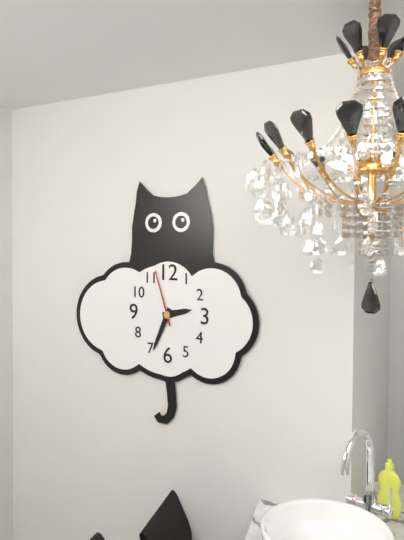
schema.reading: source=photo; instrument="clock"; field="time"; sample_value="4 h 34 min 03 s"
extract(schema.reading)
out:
2 h 34 min 57 s
